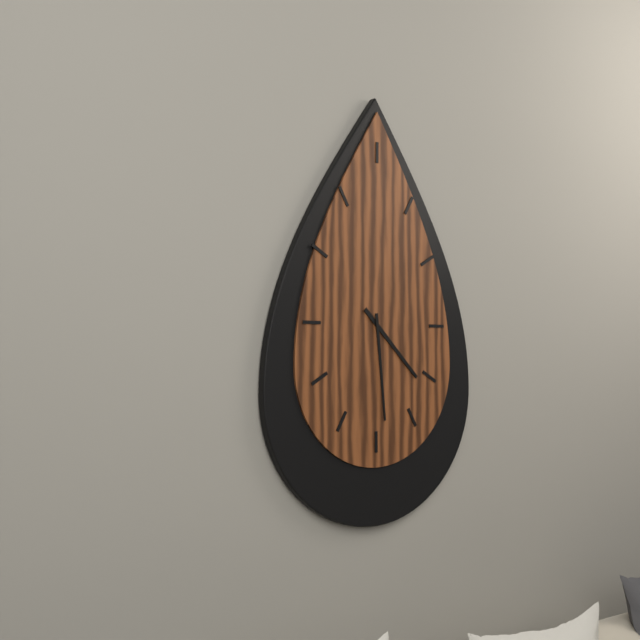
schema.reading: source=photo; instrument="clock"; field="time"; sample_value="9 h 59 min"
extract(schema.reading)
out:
4 h 29 min
